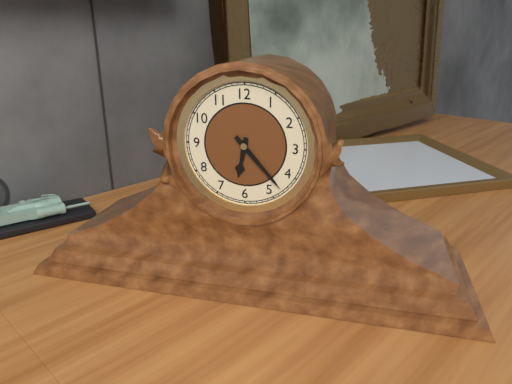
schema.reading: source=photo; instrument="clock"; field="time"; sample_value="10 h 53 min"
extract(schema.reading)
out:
6 h 23 min
